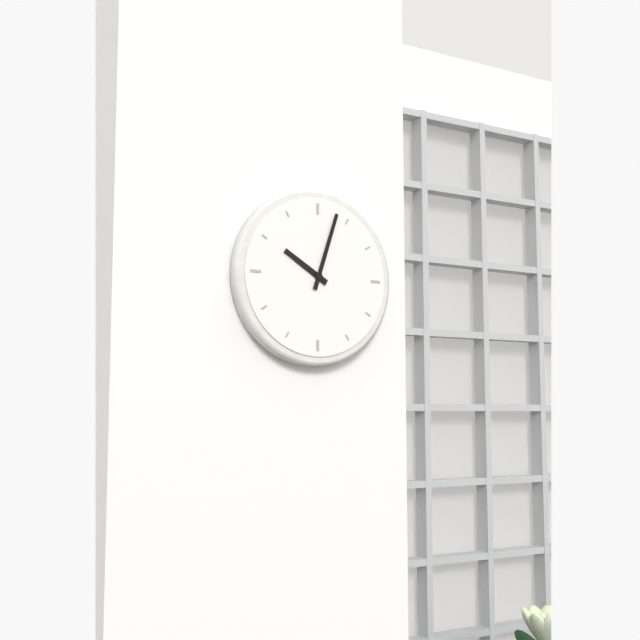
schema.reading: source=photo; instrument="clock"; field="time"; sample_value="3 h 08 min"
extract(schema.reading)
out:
10 h 03 min
